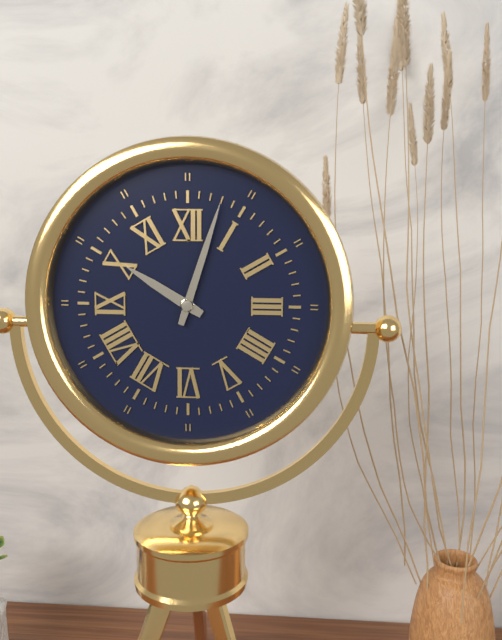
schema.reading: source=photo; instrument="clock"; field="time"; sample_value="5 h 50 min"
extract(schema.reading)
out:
10 h 03 min
